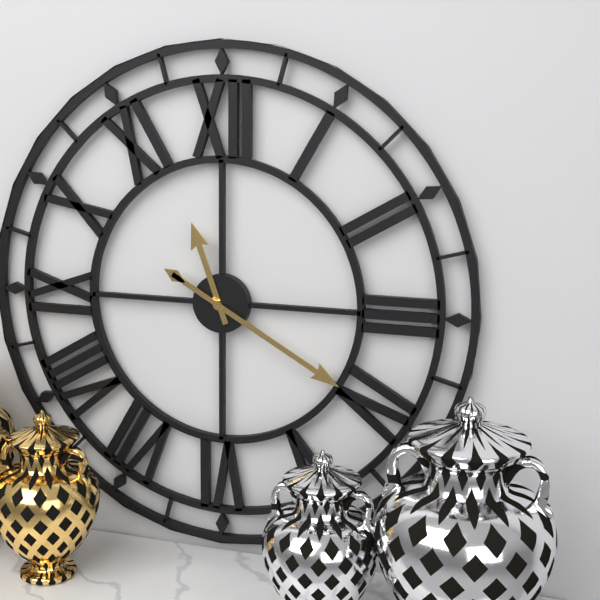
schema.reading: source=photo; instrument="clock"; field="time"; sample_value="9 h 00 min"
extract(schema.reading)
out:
11 h 20 min
